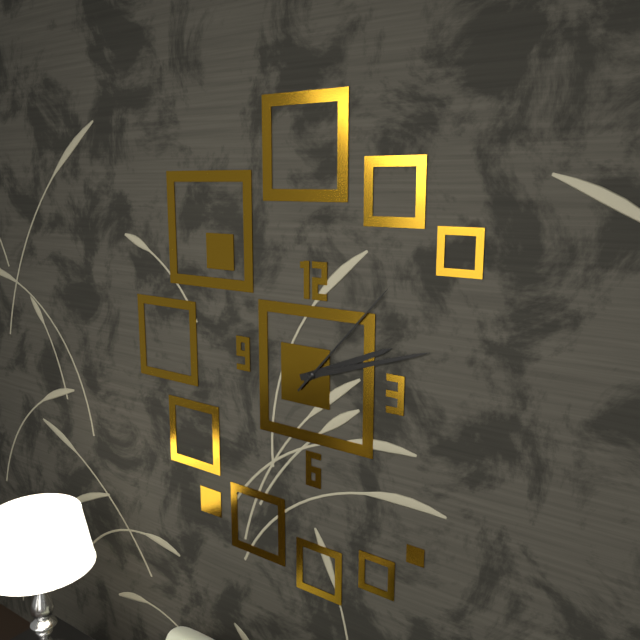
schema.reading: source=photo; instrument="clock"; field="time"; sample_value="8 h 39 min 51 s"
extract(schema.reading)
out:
2 h 12 min 07 s
